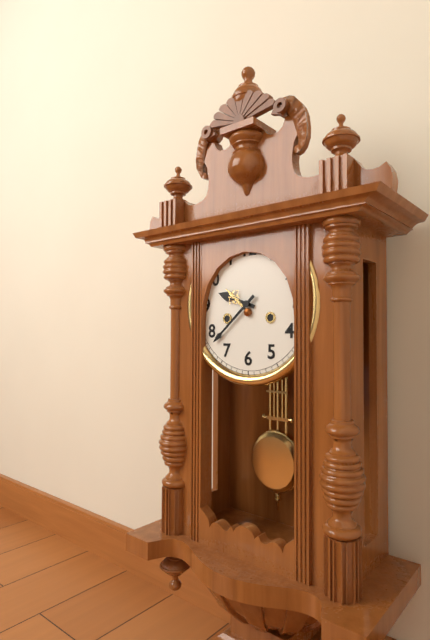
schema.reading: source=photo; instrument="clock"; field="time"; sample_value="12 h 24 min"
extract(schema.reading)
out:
9 h 38 min
